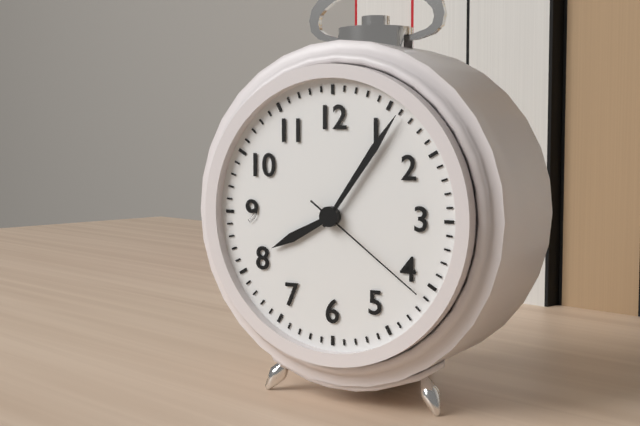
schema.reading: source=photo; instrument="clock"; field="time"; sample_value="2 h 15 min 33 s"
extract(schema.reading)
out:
8 h 06 min 21 s
